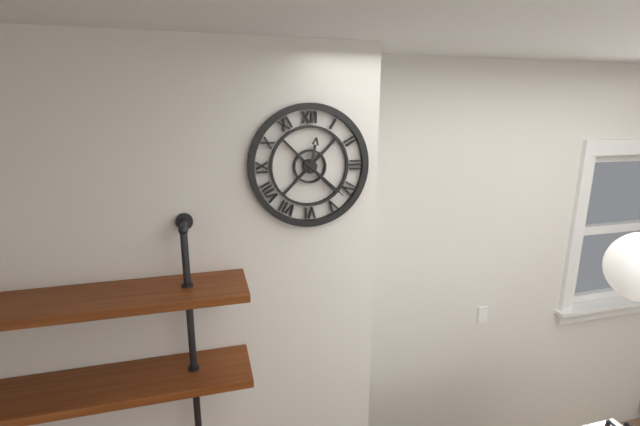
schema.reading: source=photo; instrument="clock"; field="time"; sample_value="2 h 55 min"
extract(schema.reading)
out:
12 h 22 min
